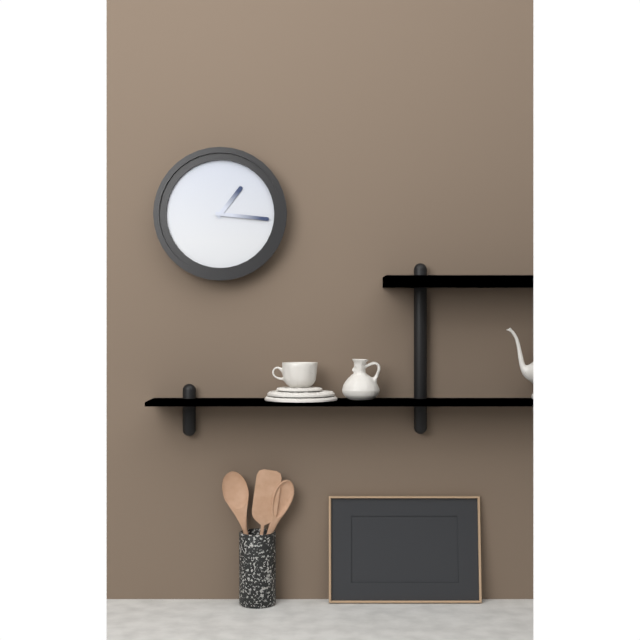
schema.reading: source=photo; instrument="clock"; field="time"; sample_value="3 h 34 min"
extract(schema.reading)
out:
1 h 16 min
